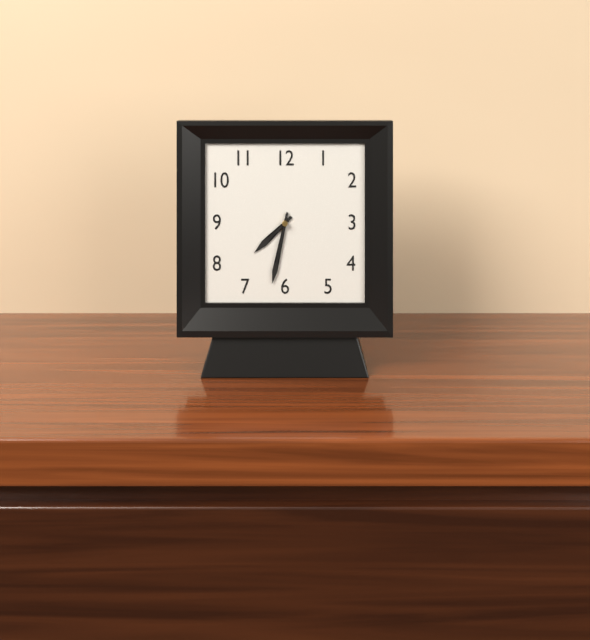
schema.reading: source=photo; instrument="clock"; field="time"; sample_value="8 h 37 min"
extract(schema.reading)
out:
7 h 32 min
